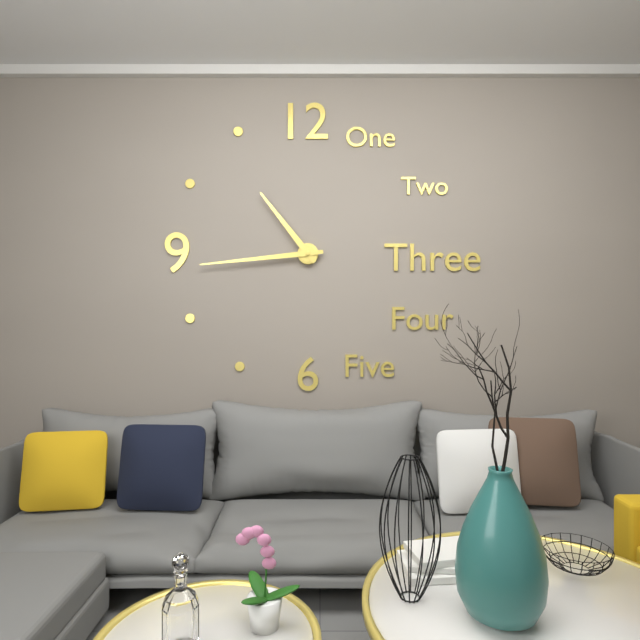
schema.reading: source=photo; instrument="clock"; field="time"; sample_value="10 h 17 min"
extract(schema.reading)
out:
10 h 44 min
